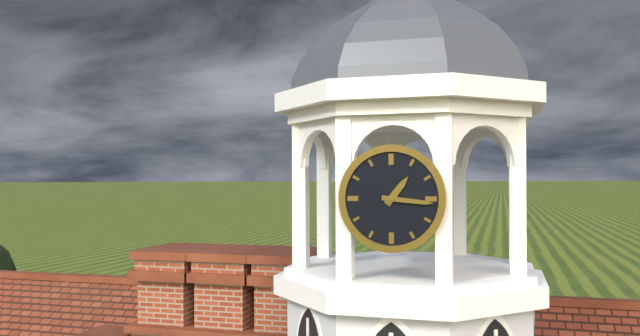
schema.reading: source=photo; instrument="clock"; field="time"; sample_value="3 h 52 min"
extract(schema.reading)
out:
1 h 16 min
